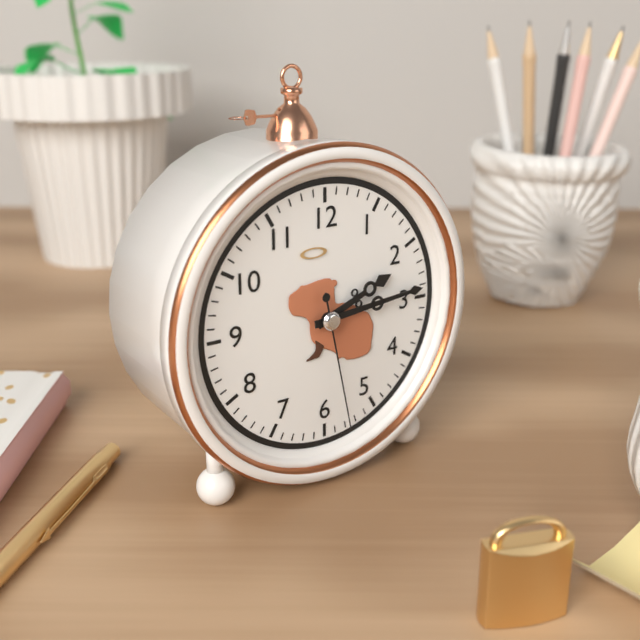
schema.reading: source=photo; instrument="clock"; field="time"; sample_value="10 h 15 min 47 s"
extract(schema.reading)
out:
2 h 14 min 28 s
